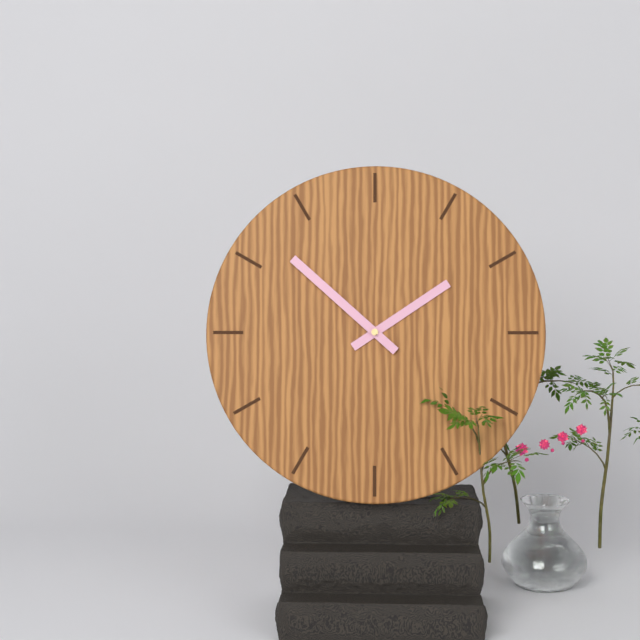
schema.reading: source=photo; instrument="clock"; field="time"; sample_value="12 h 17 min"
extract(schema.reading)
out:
1 h 52 min
